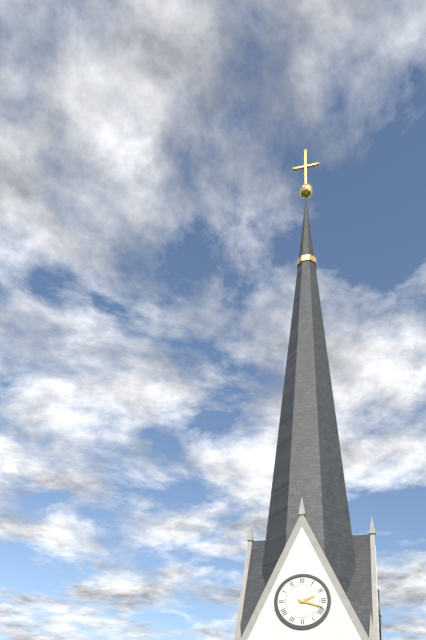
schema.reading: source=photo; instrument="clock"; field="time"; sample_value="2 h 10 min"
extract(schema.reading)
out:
2 h 18 min
